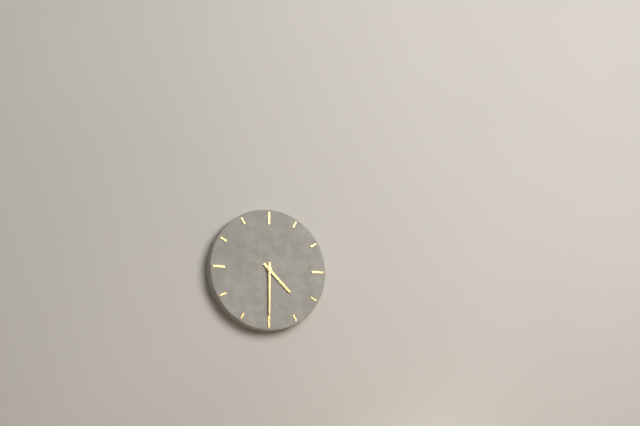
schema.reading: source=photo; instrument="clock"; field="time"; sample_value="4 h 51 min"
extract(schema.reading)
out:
4 h 30 min
